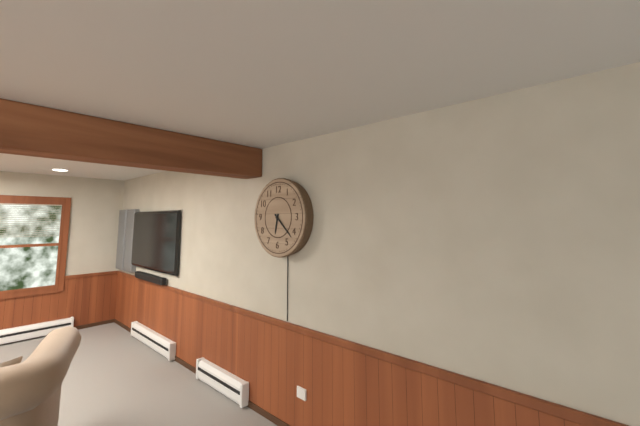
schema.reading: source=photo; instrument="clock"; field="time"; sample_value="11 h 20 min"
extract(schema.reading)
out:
6 h 22 min
